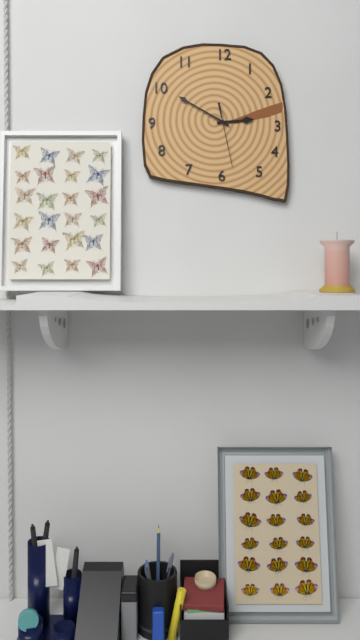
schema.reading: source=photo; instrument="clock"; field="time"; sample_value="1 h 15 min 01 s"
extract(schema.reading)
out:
2 h 50 min 28 s
